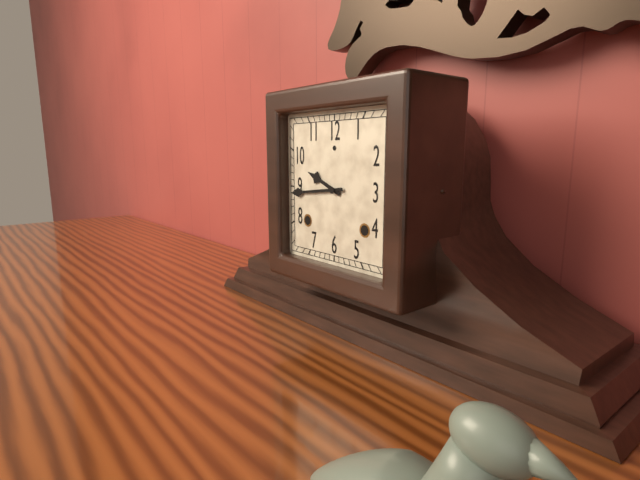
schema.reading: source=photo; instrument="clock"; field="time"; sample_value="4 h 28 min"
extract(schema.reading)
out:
9 h 44 min
